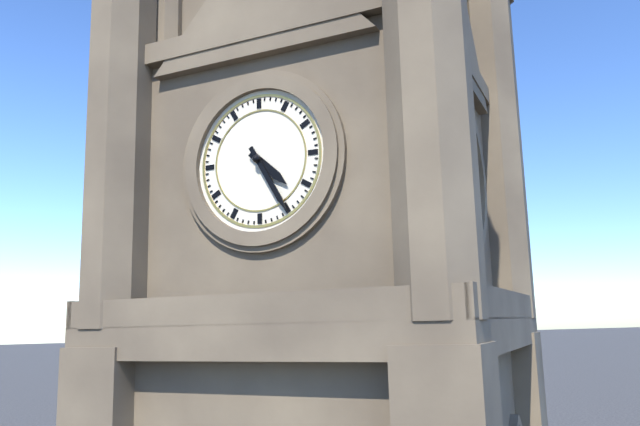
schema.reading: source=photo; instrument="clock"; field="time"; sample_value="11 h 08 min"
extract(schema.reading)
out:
4 h 25 min
